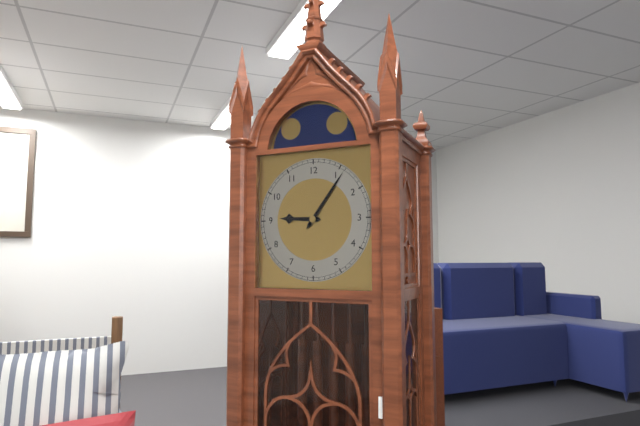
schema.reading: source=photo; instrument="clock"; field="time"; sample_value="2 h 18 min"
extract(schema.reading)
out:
9 h 06 min
